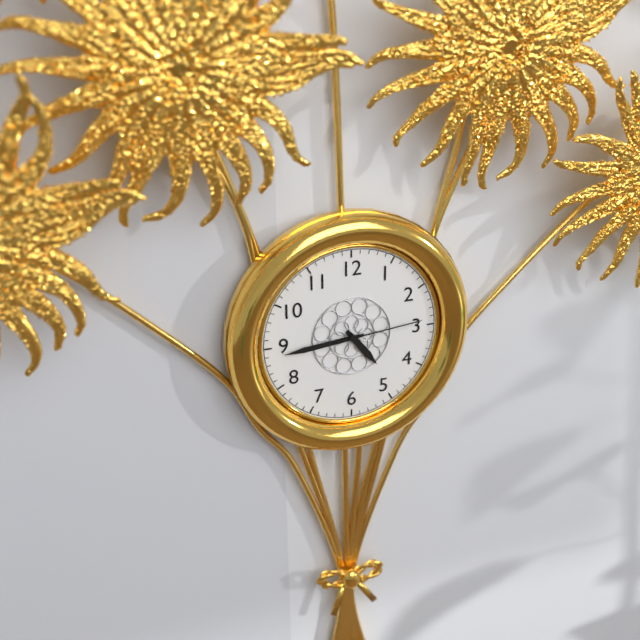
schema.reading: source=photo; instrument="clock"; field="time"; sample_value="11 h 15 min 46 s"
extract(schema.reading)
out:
4 h 44 min 14 s
